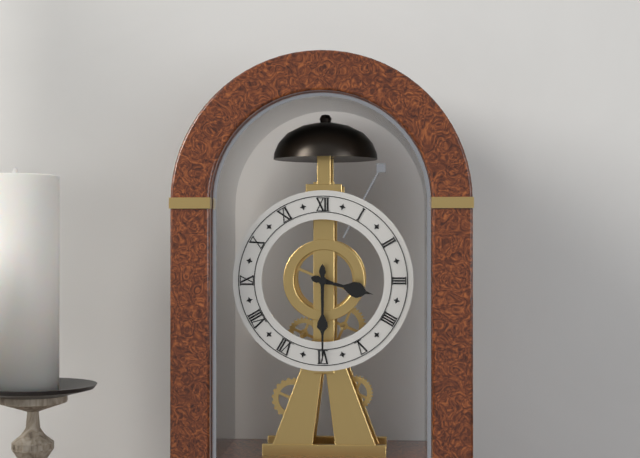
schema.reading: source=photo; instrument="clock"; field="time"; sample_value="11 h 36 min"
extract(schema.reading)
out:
3 h 30 min
